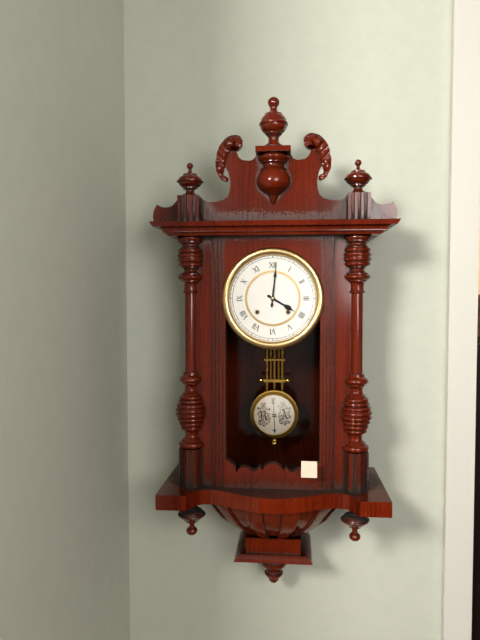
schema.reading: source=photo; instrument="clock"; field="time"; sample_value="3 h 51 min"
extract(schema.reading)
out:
4 h 01 min
